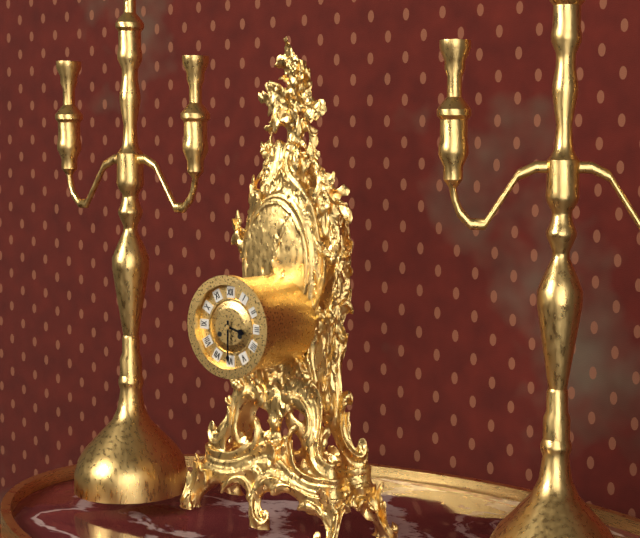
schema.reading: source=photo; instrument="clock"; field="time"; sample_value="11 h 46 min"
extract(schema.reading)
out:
3 h 30 min
